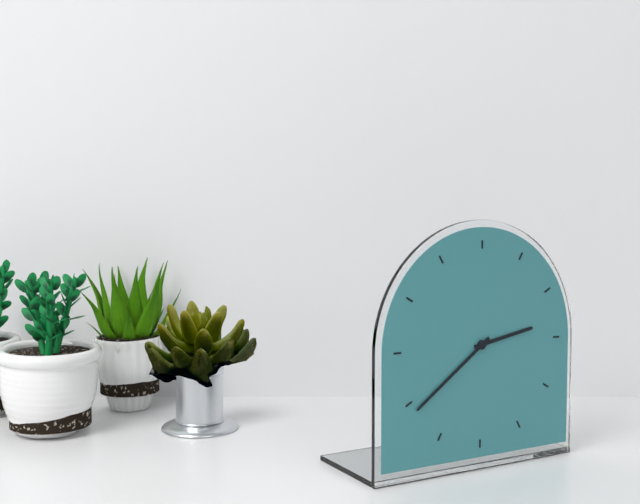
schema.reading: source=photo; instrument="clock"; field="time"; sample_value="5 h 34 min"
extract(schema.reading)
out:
2 h 39 min
